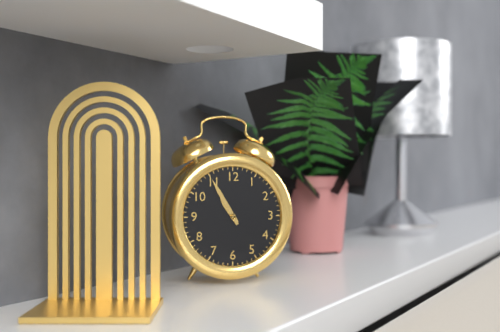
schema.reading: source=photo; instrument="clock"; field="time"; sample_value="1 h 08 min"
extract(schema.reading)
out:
10 h 55 min
